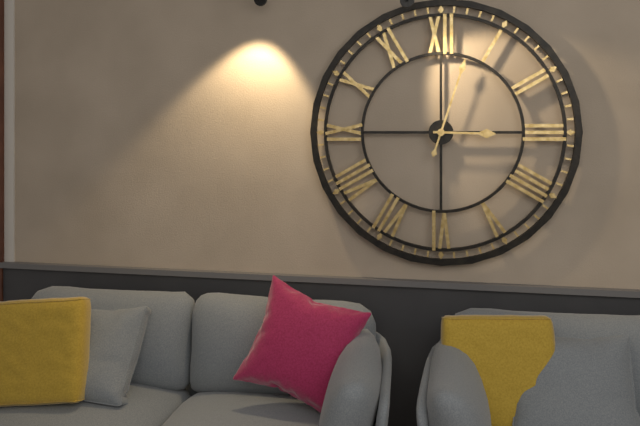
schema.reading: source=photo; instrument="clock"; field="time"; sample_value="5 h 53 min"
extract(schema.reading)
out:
3 h 03 min
